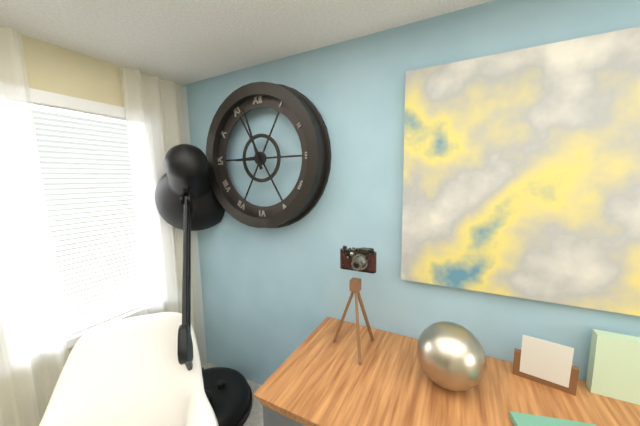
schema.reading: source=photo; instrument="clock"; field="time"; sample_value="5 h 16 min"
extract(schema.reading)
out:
8 h 57 min
